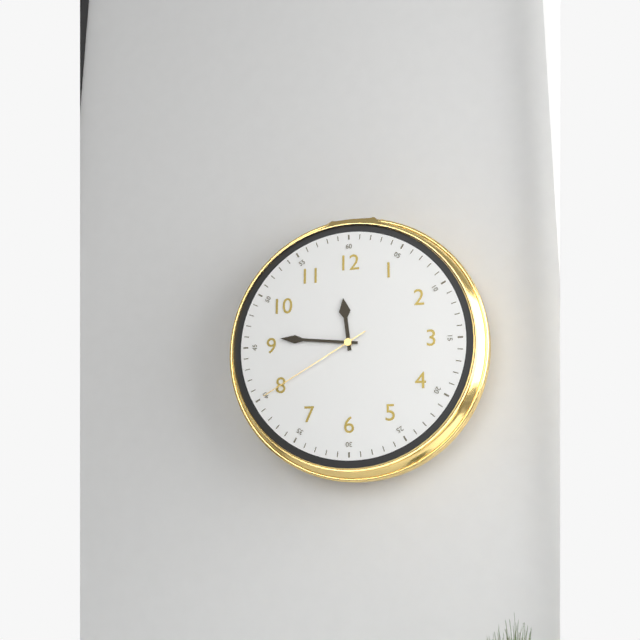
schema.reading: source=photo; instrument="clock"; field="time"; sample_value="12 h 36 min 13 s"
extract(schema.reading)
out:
11 h 46 min 40 s
